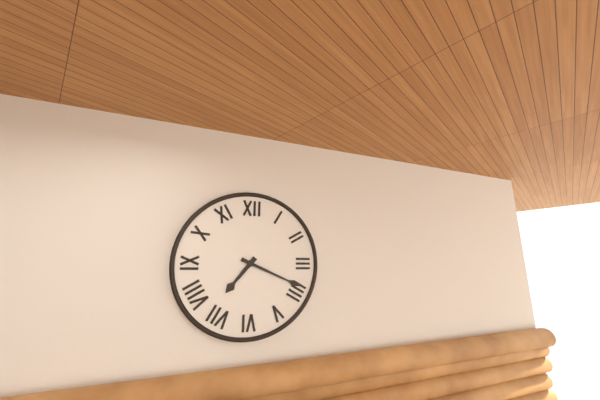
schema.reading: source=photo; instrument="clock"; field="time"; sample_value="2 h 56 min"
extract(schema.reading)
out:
7 h 19 min
